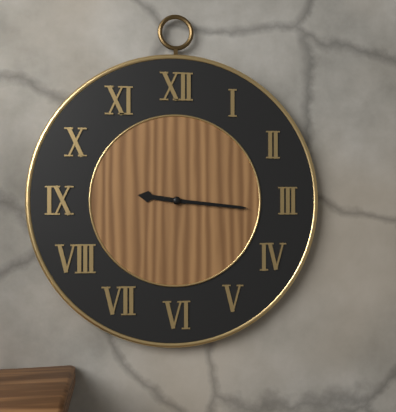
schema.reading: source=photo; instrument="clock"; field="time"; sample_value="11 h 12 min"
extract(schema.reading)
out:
9 h 16 min
